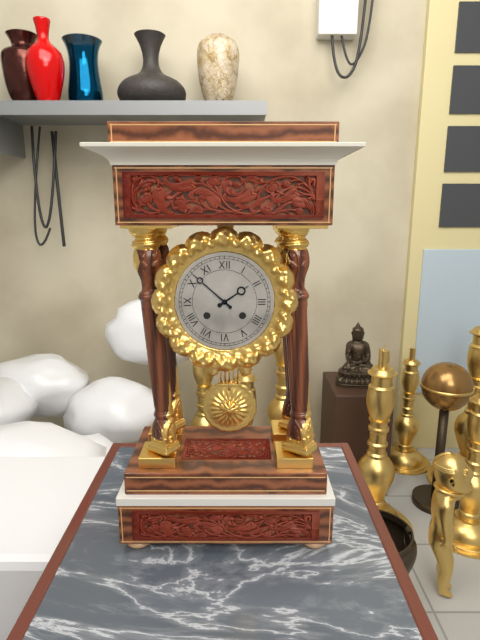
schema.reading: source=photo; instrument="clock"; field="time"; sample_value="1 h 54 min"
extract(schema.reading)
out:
1 h 52 min
